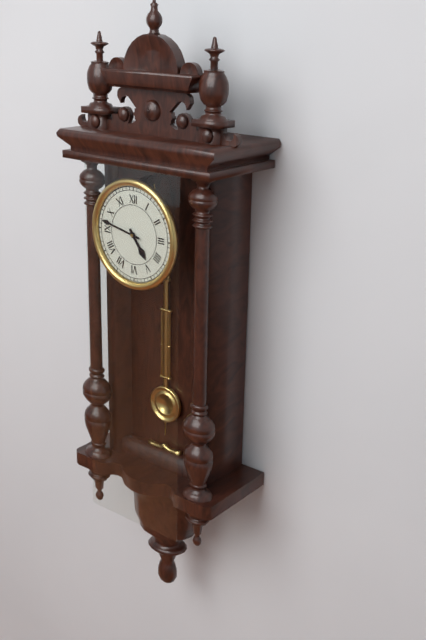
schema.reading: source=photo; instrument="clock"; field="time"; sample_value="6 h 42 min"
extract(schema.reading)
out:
4 h 47 min
